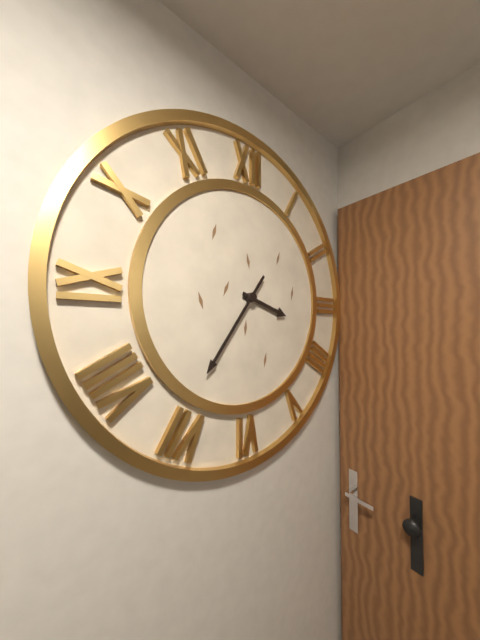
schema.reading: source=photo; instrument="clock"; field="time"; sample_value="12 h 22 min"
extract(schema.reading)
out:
3 h 36 min
